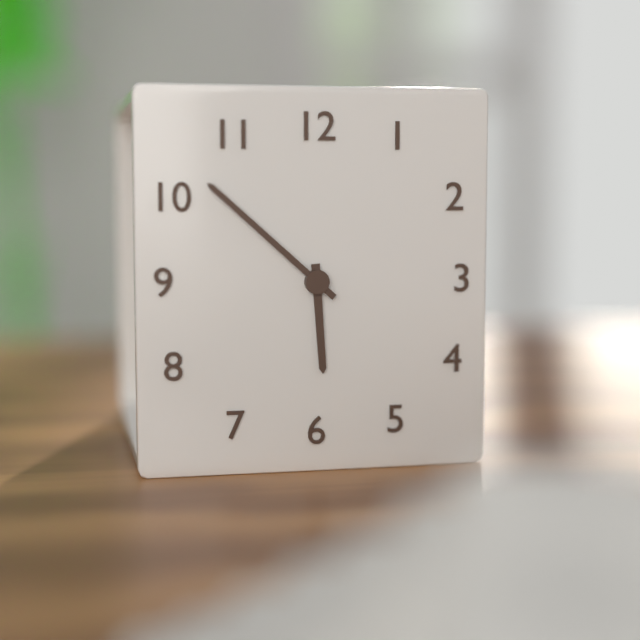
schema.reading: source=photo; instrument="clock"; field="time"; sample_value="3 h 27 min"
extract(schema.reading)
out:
5 h 52 min
